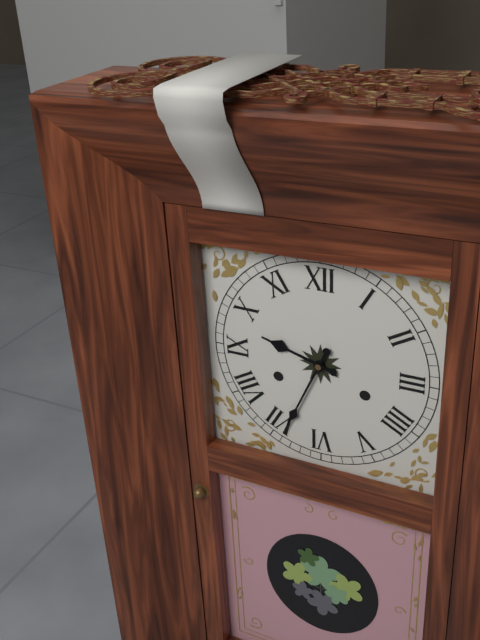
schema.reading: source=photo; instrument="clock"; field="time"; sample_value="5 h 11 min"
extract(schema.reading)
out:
9 h 34 min
